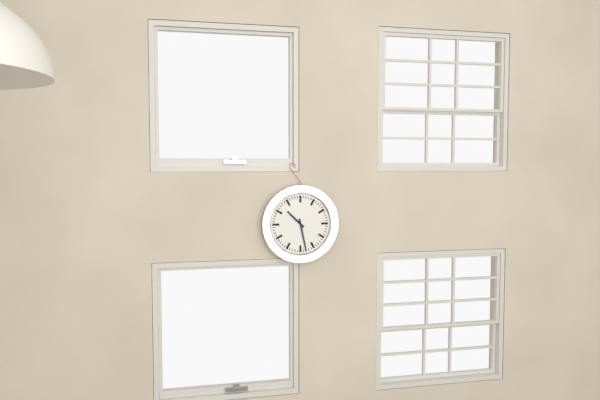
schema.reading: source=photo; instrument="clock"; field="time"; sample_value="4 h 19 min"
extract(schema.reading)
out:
10 h 28 min
